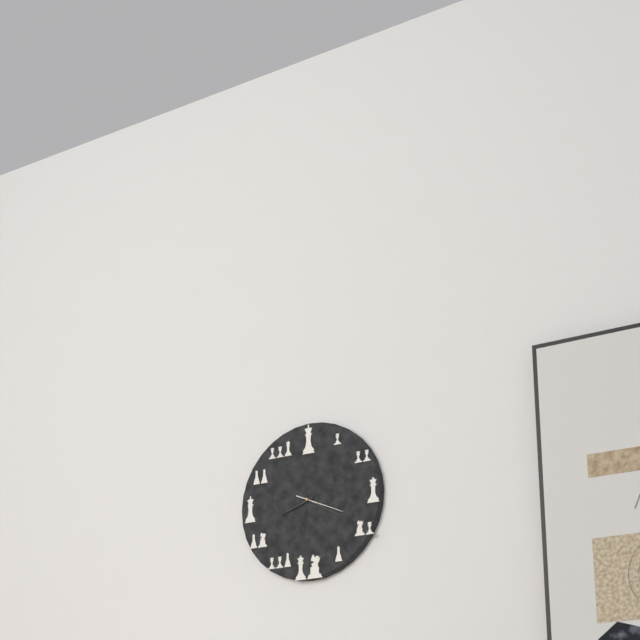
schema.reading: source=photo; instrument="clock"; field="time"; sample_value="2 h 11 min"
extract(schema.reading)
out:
8 h 20 min
